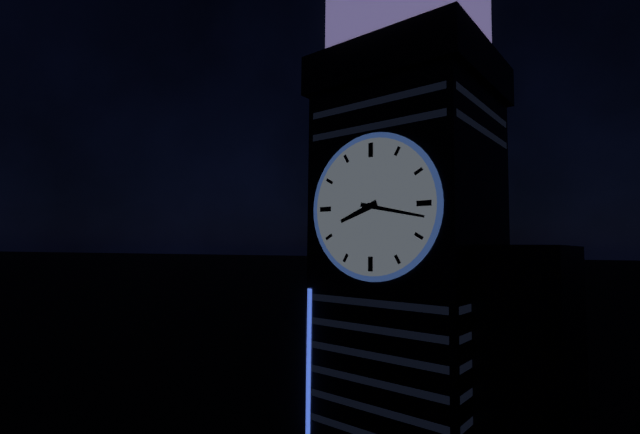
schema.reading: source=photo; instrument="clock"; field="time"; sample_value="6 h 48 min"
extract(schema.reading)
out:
8 h 17 min
